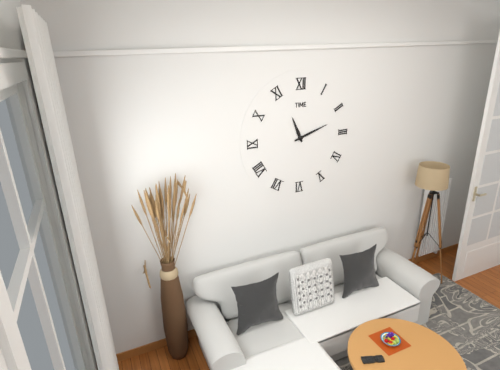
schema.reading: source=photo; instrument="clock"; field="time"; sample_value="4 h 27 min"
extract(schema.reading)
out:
11 h 12 min
